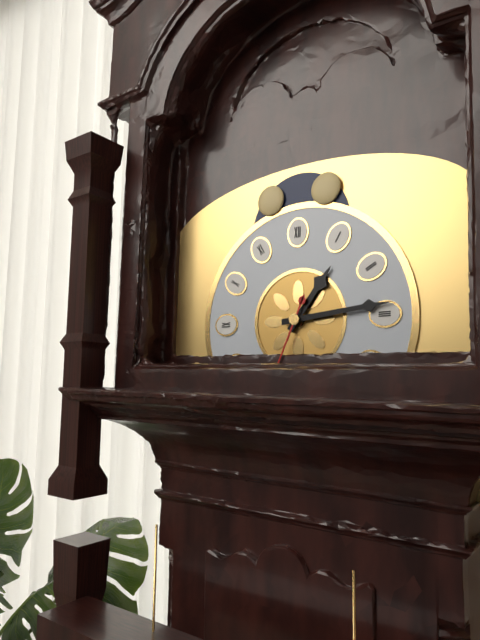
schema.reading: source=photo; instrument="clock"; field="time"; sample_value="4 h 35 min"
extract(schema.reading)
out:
1 h 14 min
